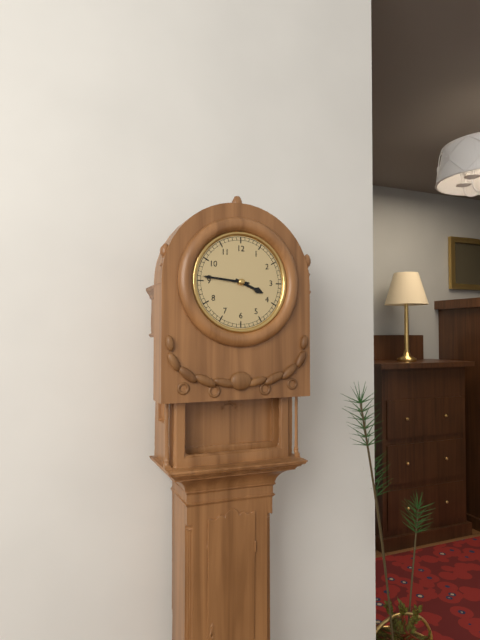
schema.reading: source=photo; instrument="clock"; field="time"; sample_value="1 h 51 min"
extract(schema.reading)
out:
3 h 46 min
